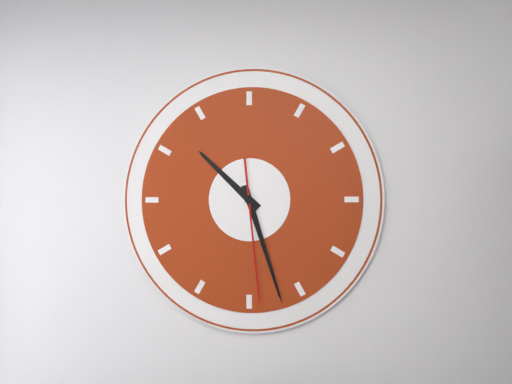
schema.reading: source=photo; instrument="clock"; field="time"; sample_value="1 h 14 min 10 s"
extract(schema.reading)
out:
10 h 27 min 29 s
